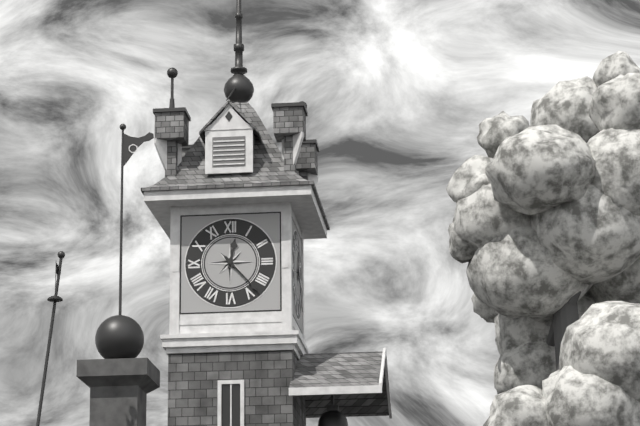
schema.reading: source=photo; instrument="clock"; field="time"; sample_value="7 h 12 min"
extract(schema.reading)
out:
12 h 23 min
